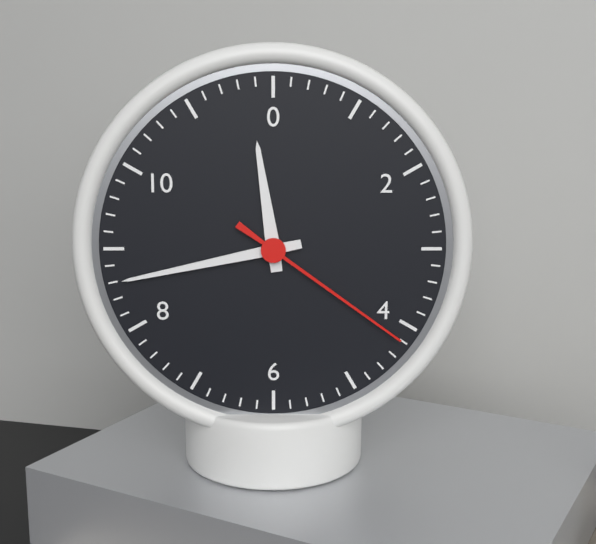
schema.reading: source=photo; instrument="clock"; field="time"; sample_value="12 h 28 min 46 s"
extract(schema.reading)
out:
11 h 43 min 21 s
